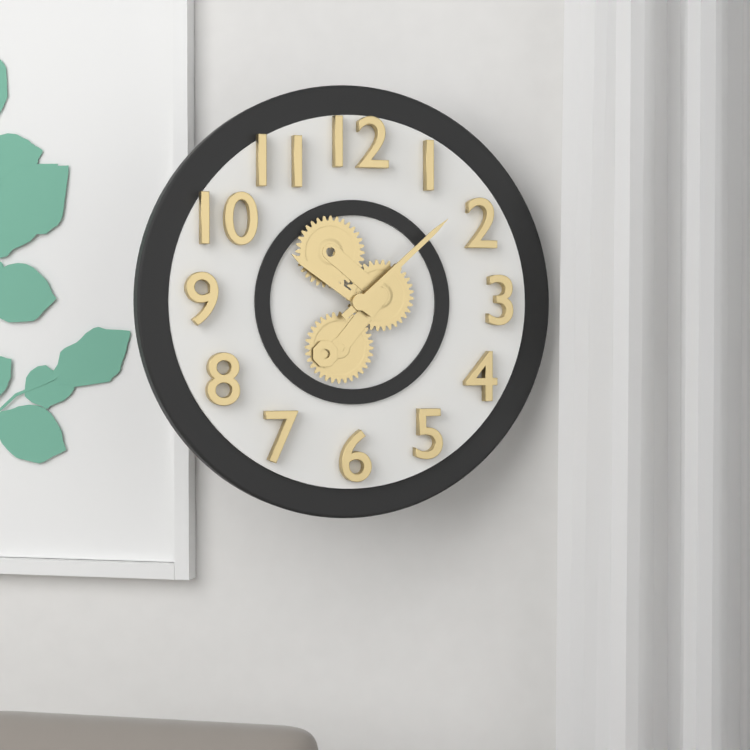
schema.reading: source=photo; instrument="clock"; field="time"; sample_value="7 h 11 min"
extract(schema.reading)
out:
10 h 08 min
